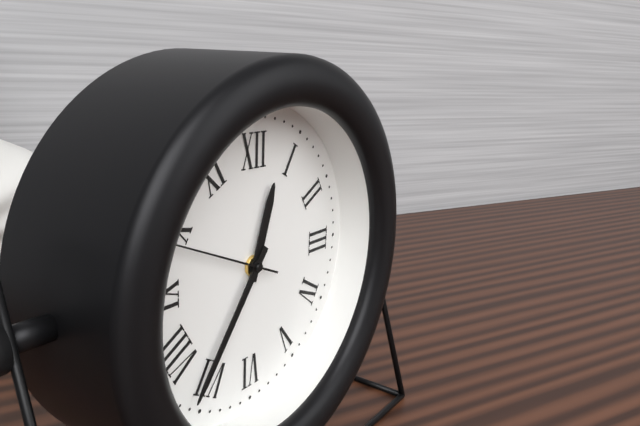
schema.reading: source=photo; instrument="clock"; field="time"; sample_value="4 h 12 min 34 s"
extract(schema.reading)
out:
12 h 36 min 49 s
